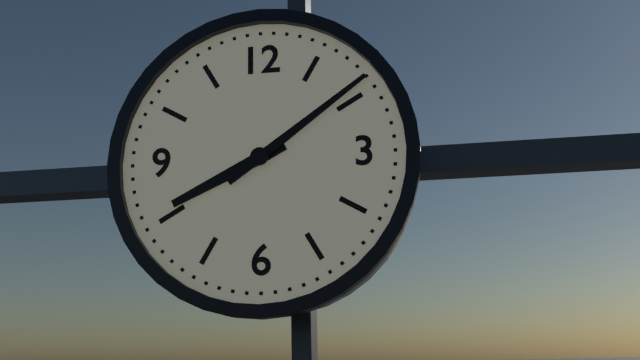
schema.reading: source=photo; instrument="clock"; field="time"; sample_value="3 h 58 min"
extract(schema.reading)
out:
8 h 09 min
